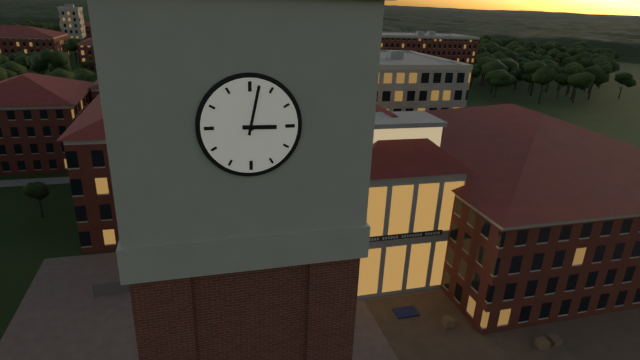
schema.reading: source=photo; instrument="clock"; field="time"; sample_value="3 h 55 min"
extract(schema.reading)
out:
3 h 02 min
